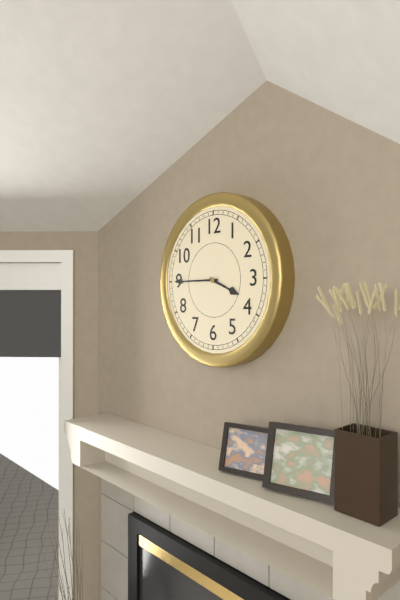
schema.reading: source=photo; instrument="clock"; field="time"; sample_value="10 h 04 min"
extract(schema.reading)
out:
3 h 45 min
